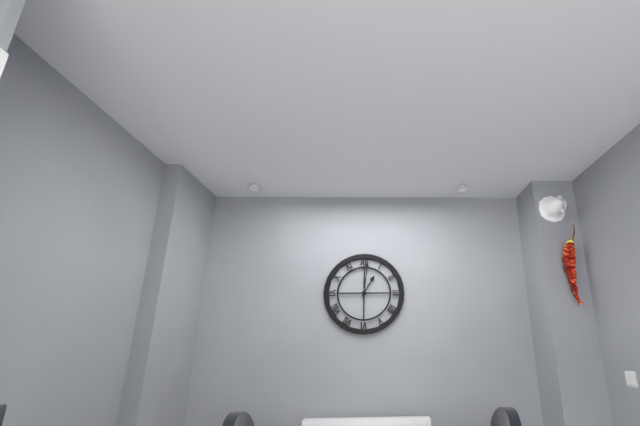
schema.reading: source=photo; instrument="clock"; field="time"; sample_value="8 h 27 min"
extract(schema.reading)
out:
1 h 01 min
